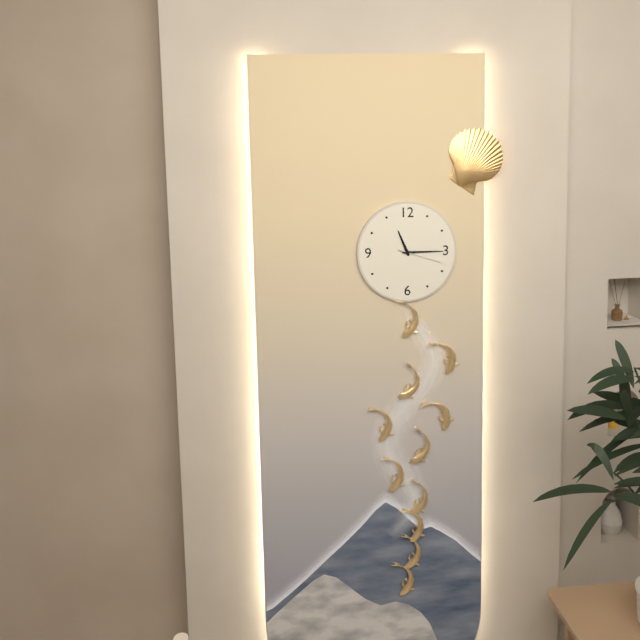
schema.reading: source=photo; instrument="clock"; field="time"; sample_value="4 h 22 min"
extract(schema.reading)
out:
11 h 15 min
